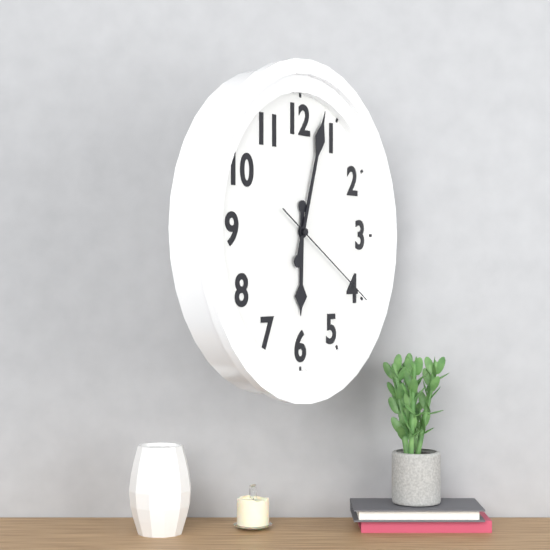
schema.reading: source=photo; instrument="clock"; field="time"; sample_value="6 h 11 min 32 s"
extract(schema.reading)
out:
6 h 03 min 20 s
